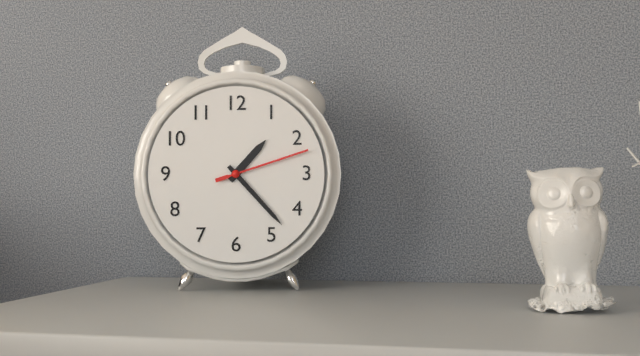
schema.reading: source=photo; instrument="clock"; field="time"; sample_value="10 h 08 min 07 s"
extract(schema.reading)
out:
1 h 23 min 12 s
